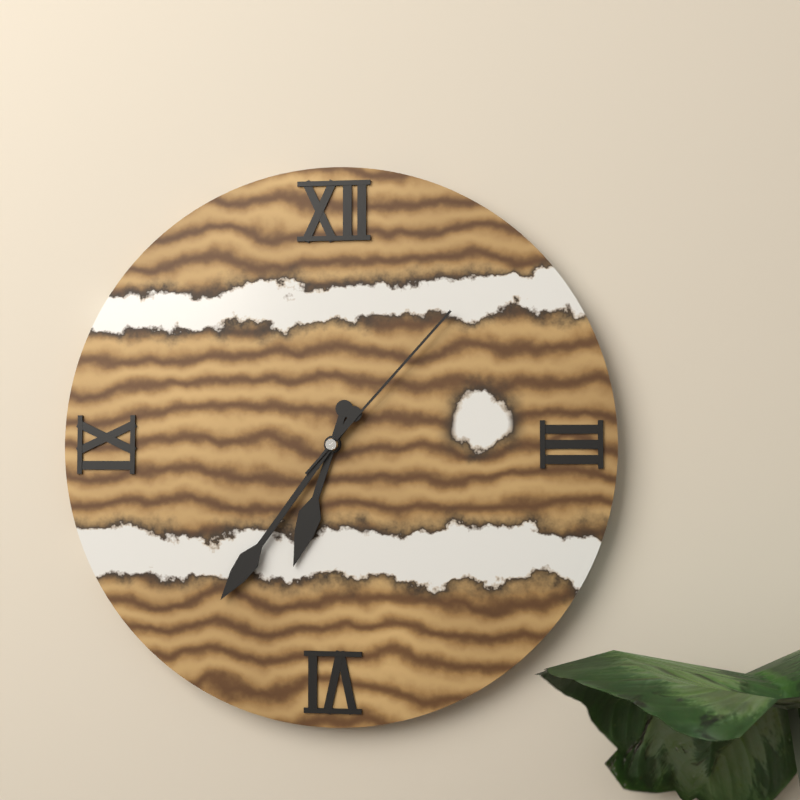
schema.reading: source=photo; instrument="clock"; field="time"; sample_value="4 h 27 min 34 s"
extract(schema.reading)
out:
6 h 36 min 07 s
